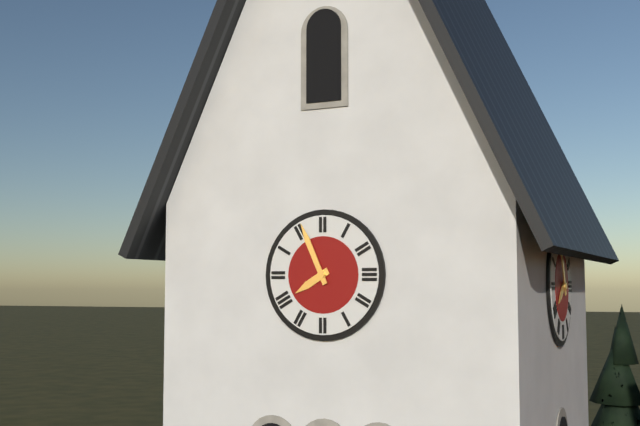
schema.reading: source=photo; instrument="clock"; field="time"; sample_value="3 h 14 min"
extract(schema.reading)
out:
7 h 56 min
